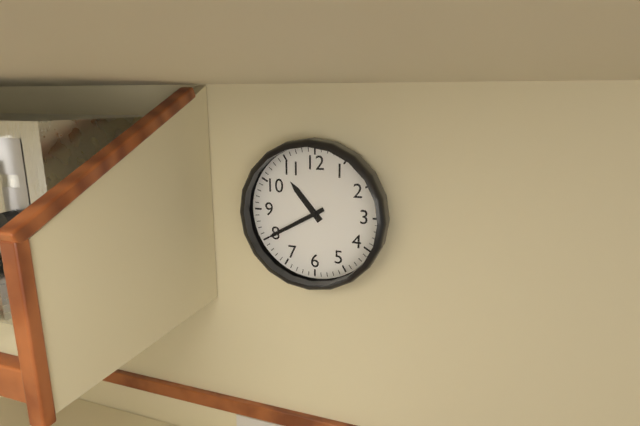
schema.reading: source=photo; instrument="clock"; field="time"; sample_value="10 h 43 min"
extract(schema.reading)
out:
10 h 40 min
